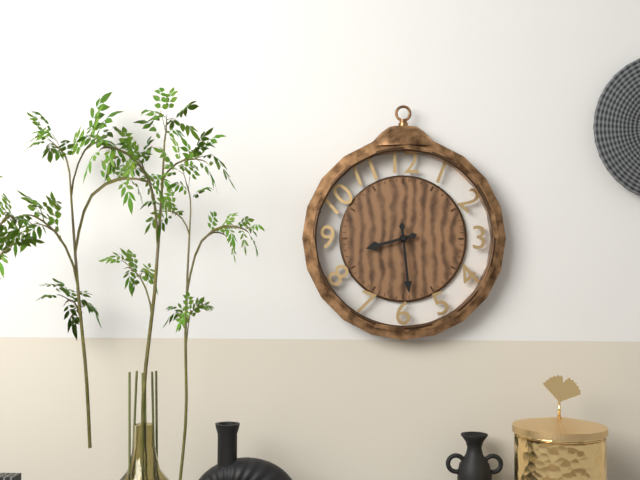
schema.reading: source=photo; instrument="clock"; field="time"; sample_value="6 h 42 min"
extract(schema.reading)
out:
8 h 29 min
